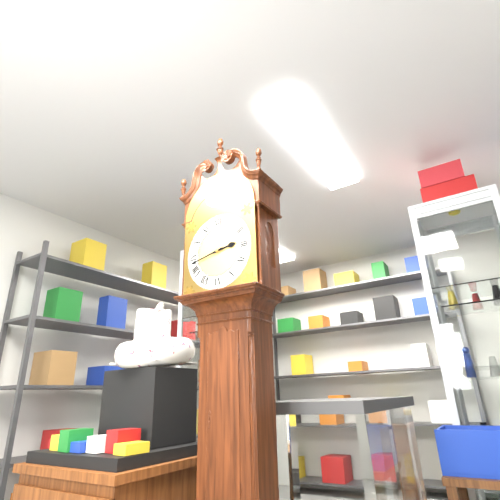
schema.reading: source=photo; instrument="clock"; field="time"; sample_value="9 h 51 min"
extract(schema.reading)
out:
2 h 43 min
